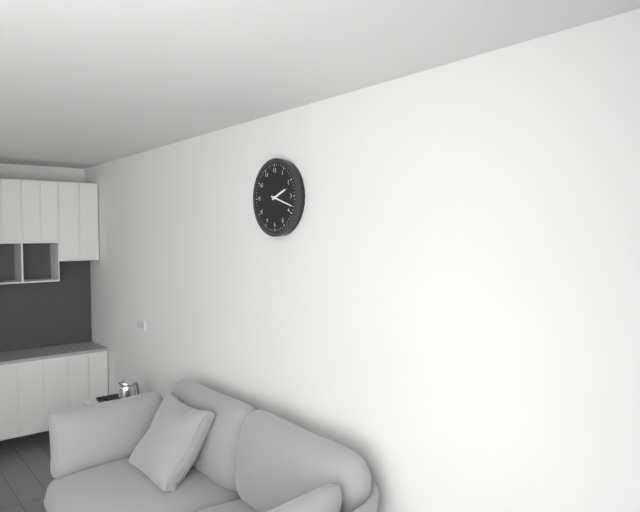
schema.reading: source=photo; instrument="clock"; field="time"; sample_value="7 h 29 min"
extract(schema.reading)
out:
2 h 18 min
